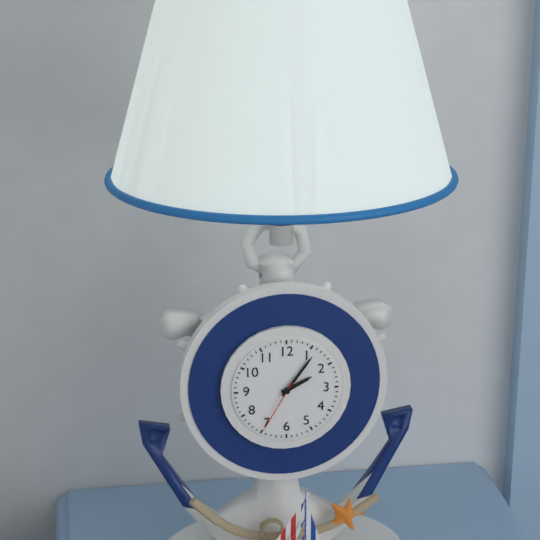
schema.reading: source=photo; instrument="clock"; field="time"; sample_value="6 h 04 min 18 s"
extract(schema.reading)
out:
2 h 06 min 35 s
